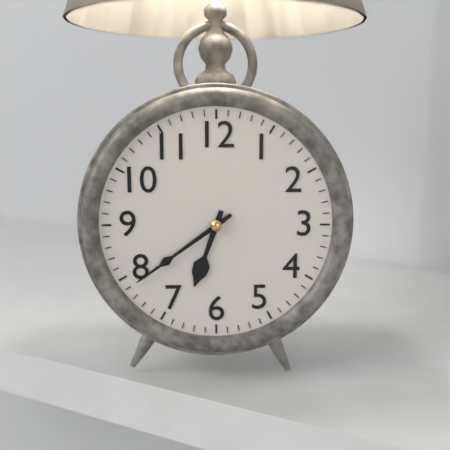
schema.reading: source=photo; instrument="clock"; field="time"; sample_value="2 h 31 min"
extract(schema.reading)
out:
6 h 39 min
